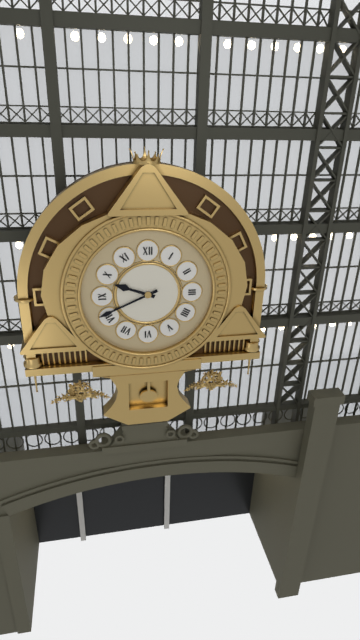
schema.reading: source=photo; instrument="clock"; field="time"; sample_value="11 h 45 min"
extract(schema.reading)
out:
9 h 41 min
